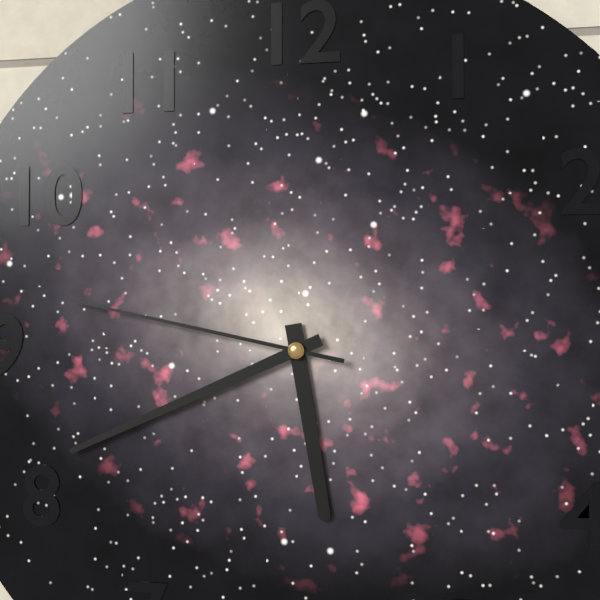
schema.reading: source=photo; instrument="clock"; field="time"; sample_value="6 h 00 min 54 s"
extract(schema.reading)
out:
5 h 41 min 47 s
